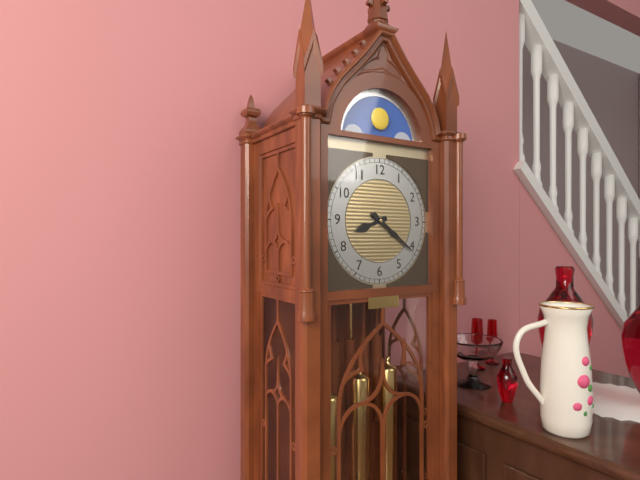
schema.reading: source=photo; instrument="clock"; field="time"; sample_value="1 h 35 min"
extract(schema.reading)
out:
8 h 21 min
